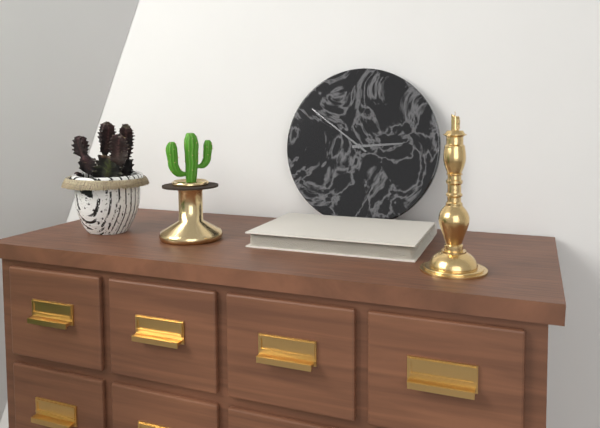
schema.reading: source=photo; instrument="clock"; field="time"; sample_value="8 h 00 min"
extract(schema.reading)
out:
2 h 51 min
